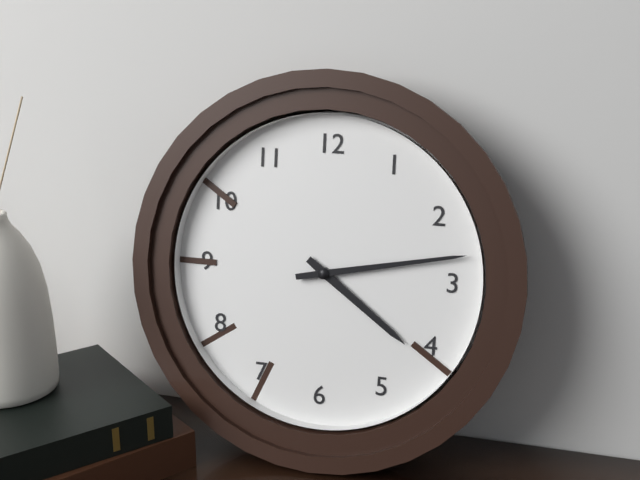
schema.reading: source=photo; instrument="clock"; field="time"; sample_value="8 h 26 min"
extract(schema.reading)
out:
4 h 13 min
